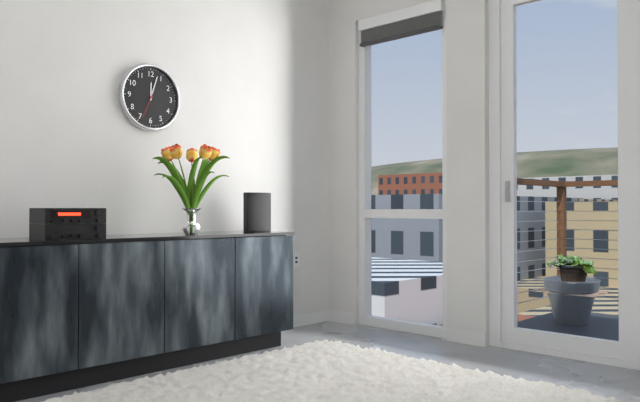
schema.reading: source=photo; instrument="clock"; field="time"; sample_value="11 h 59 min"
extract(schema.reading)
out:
12 h 03 min
